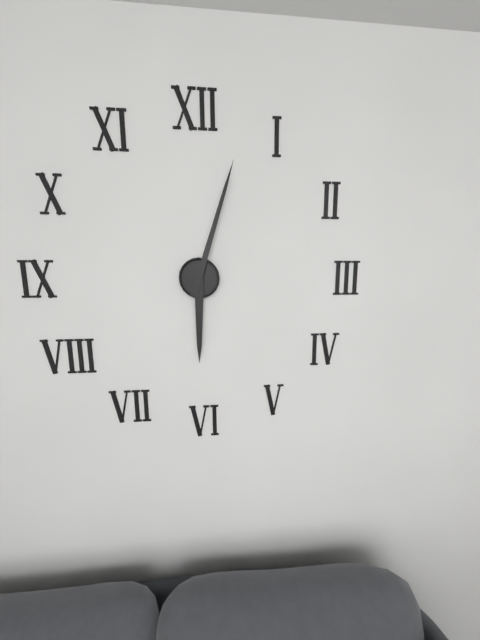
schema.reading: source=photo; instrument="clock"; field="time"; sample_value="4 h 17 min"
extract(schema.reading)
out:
6 h 03 min
